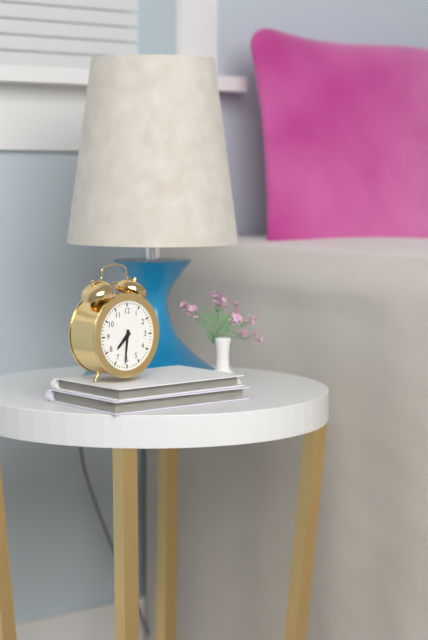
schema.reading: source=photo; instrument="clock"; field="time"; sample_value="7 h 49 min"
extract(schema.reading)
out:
7 h 31 min
